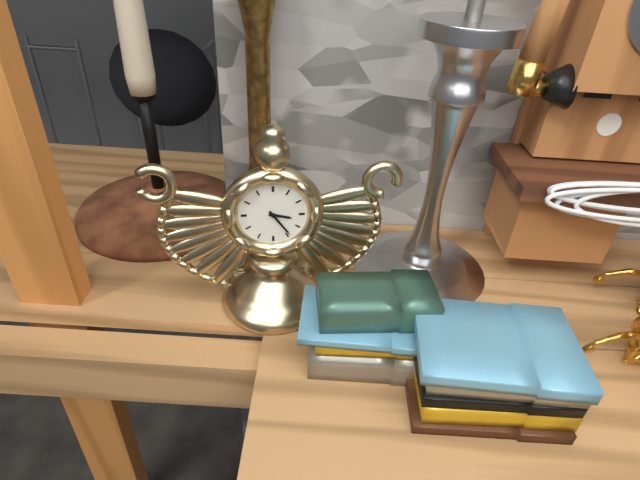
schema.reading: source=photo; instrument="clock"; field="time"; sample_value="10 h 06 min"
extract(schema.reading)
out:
3 h 24 min
